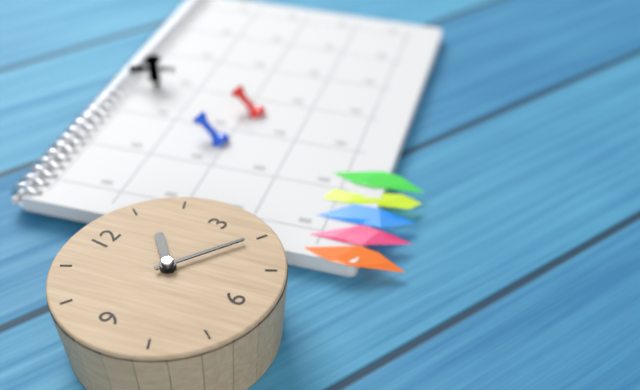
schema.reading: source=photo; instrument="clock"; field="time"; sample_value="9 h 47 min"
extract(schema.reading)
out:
1 h 20 min
